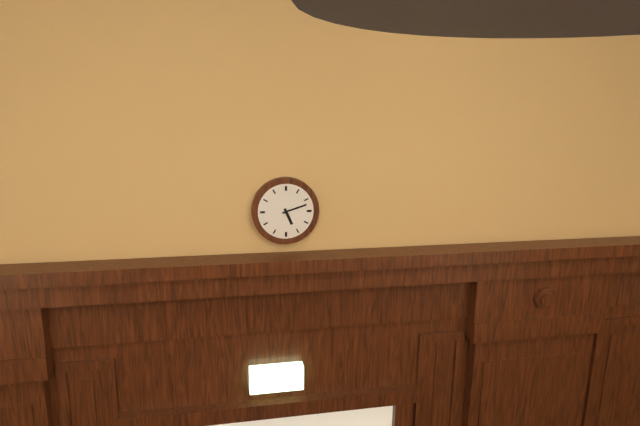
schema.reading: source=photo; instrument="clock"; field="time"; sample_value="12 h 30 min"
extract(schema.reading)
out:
5 h 12 min
